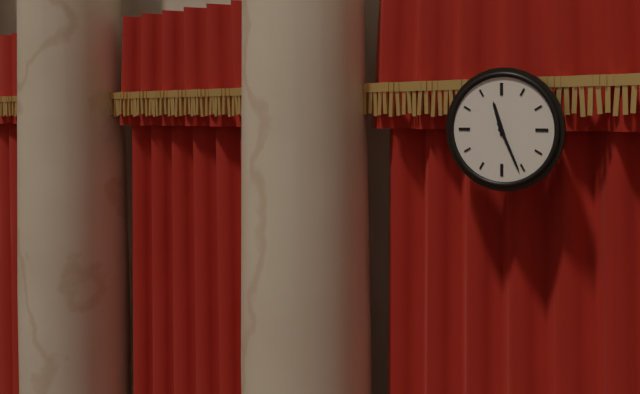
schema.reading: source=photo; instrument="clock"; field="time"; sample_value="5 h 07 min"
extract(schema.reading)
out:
11 h 26 min
